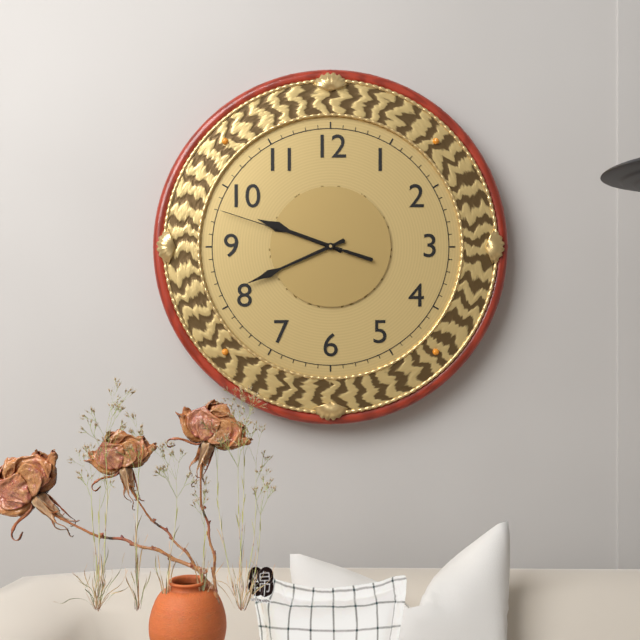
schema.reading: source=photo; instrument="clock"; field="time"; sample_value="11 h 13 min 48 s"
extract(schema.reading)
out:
9 h 41 min 48 s
